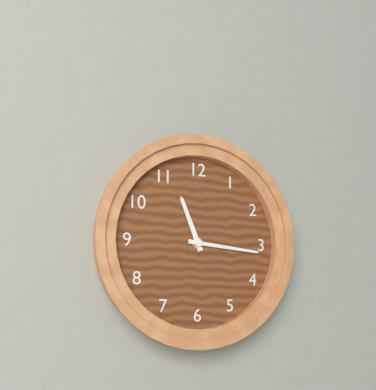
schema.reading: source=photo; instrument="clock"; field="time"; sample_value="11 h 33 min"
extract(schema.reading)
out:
11 h 16 min
